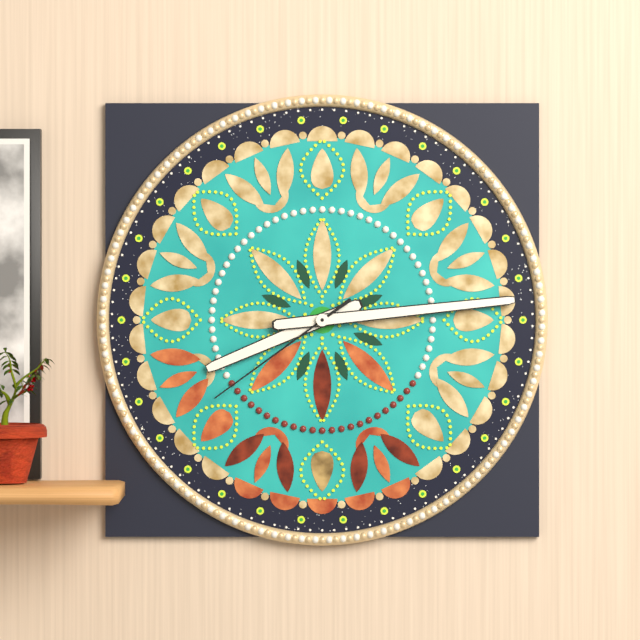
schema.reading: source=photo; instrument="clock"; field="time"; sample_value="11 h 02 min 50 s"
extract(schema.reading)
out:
8 h 14 min 39 s
